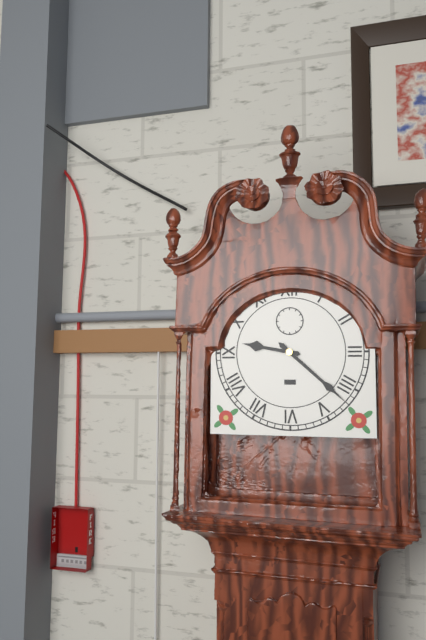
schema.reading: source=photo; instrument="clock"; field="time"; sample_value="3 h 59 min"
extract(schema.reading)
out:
9 h 22 min
